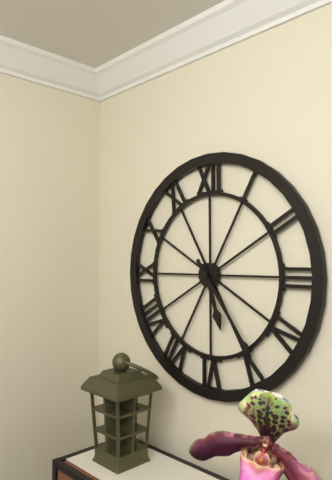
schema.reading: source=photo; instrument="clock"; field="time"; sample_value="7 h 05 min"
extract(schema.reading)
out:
5 h 24 min
